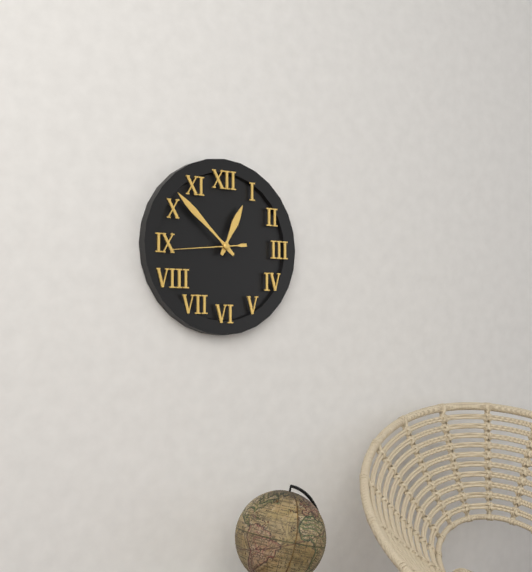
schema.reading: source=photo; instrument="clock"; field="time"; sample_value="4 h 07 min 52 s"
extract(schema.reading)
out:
12 h 52 min 44 s
